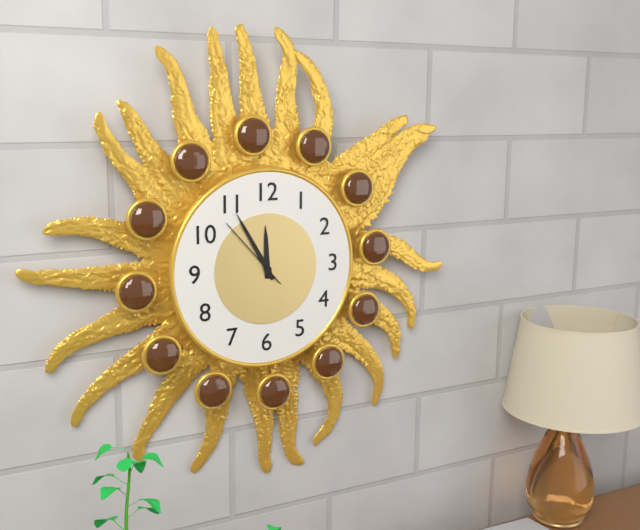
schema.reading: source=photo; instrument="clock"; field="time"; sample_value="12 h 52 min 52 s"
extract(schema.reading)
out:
11 h 55 min 53 s
